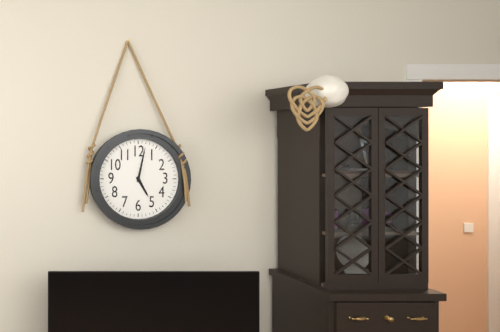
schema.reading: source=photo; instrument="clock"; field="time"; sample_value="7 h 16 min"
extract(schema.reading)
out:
5 h 02 min
